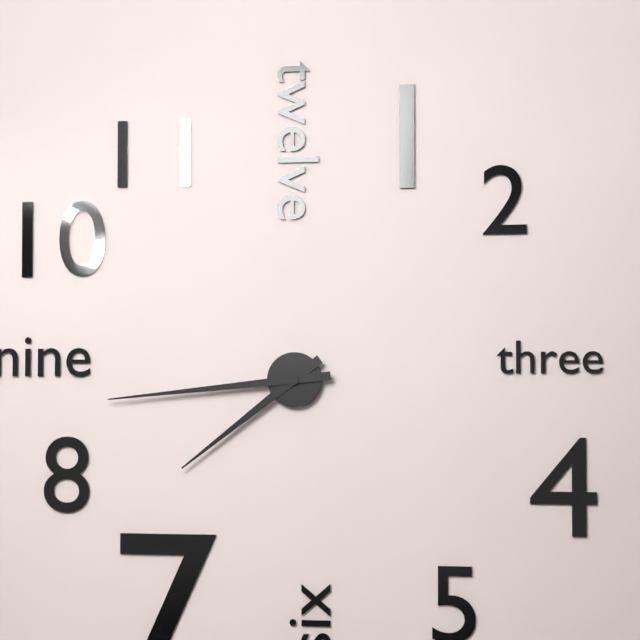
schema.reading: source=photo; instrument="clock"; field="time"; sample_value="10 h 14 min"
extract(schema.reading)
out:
7 h 44 min
